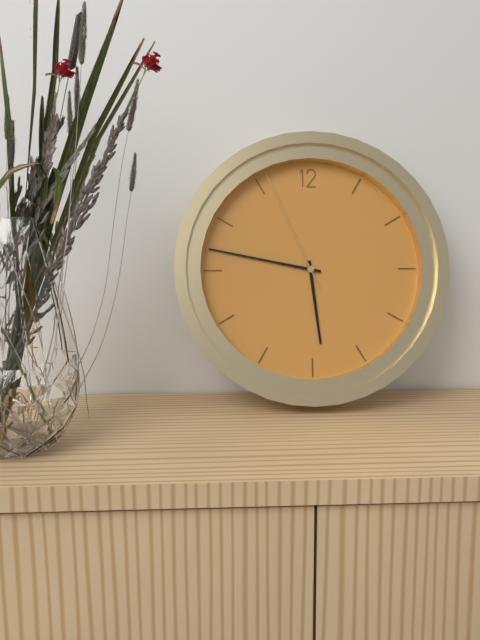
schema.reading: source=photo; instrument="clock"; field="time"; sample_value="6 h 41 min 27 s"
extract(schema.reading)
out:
5 h 47 min 56 s
